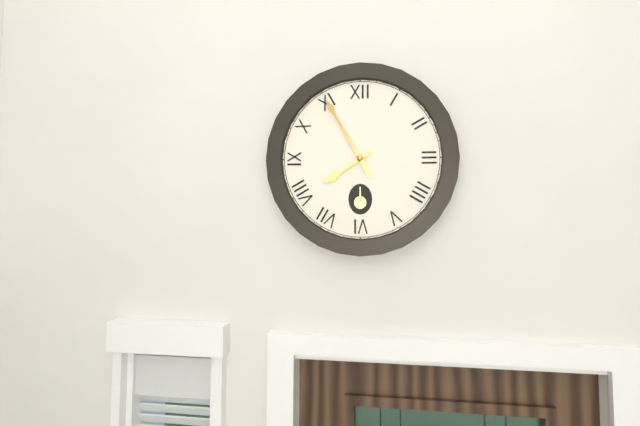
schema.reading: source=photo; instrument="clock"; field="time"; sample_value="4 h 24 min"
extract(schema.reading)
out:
7 h 55 min
